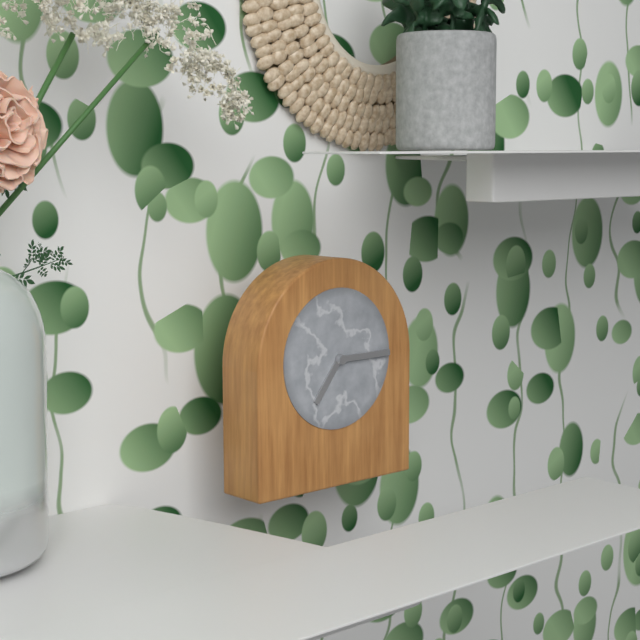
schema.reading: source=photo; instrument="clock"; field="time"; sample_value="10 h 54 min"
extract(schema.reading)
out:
7 h 15 min
